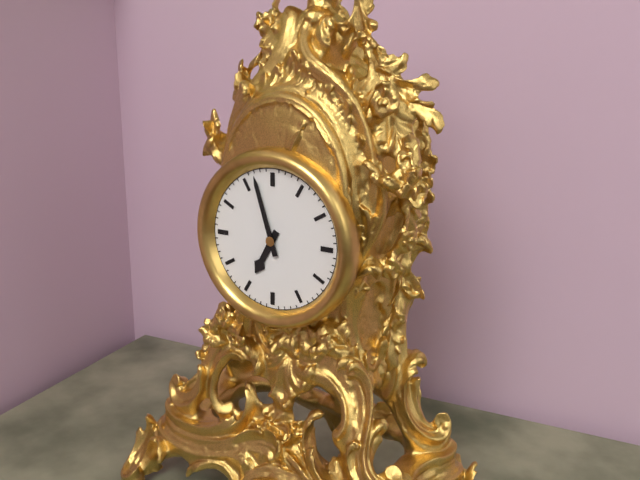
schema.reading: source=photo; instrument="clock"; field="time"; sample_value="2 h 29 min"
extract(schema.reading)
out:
6 h 57 min
